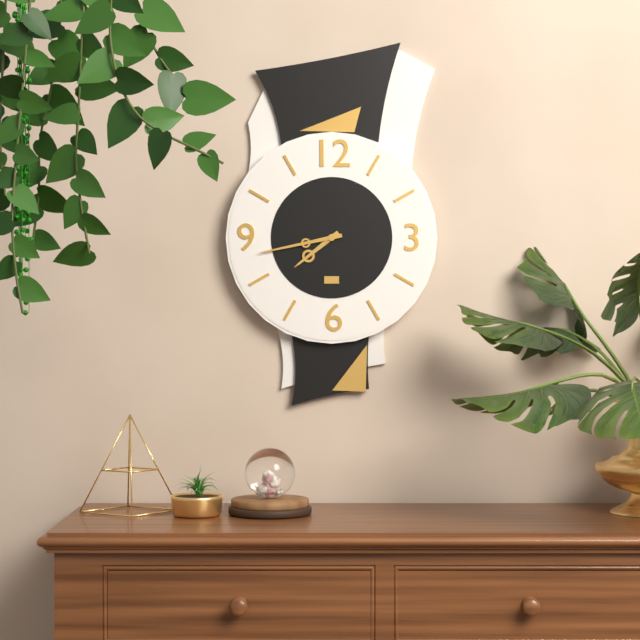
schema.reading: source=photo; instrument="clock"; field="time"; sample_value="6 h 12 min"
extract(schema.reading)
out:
7 h 43 min
